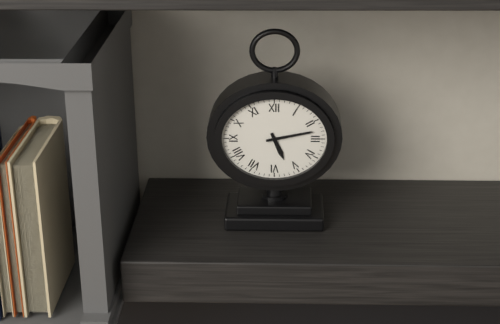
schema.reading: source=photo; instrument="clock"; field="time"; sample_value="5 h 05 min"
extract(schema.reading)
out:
5 h 13 min
